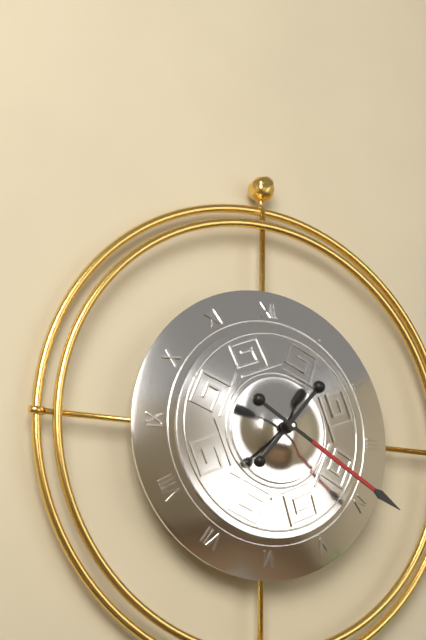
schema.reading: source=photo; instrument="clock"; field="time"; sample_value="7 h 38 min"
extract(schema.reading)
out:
1 h 20 min
